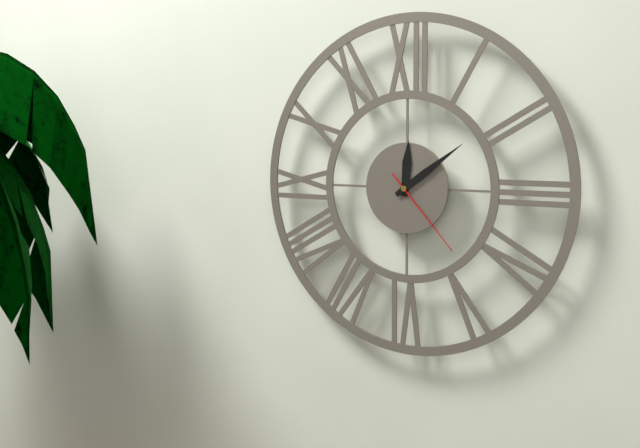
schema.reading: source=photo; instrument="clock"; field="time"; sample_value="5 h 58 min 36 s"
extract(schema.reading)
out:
12 h 09 min 23 s
